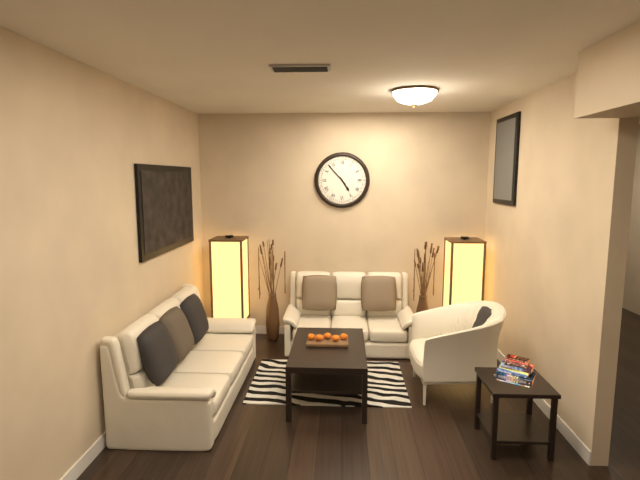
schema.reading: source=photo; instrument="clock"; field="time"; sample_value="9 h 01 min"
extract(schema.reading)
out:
4 h 53 min
